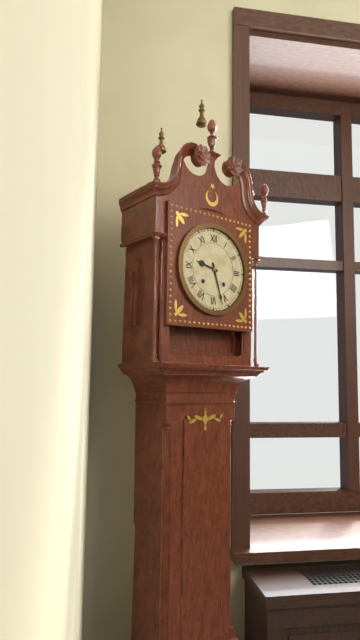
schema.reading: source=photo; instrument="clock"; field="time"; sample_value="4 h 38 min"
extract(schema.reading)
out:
9 h 27 min
